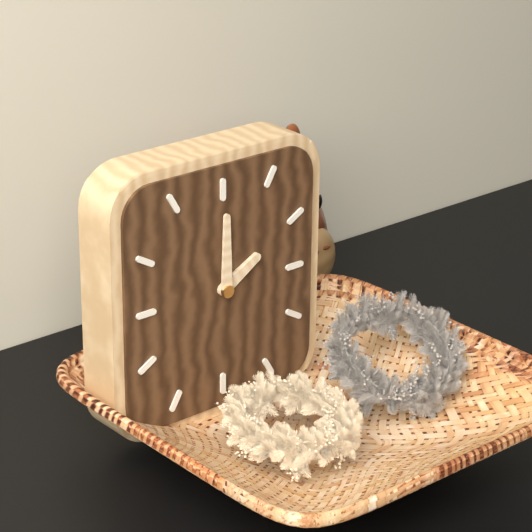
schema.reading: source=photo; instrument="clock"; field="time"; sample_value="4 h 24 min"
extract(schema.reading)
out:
2 h 00 min
